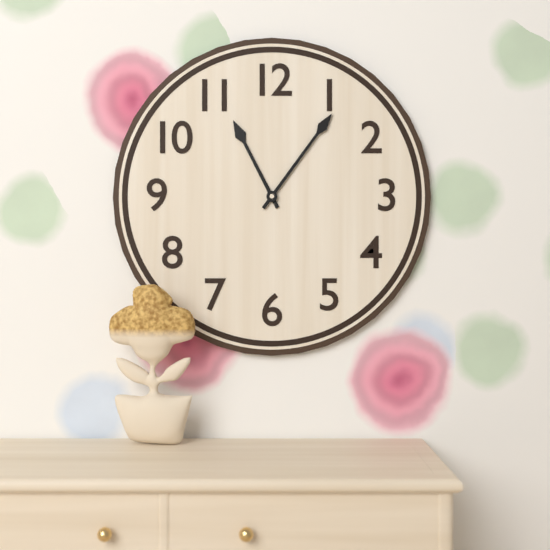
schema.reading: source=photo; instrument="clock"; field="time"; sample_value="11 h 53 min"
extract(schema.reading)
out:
11 h 06 min
